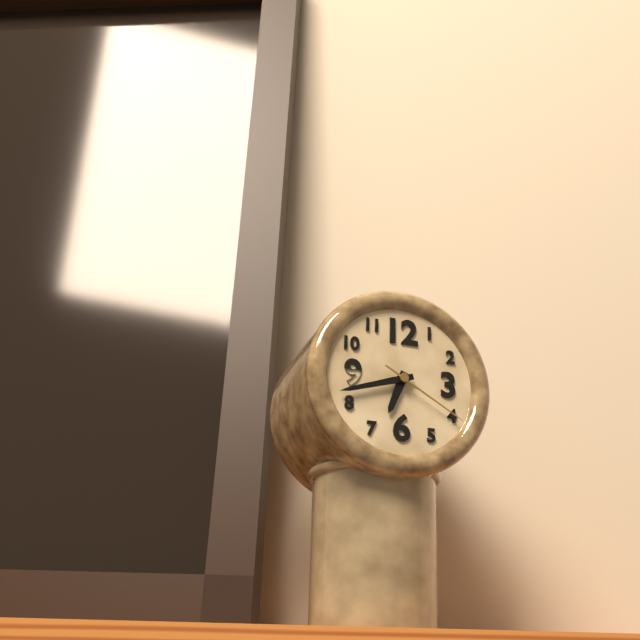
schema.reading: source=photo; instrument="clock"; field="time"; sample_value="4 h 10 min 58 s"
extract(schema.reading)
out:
6 h 42 min 20 s
